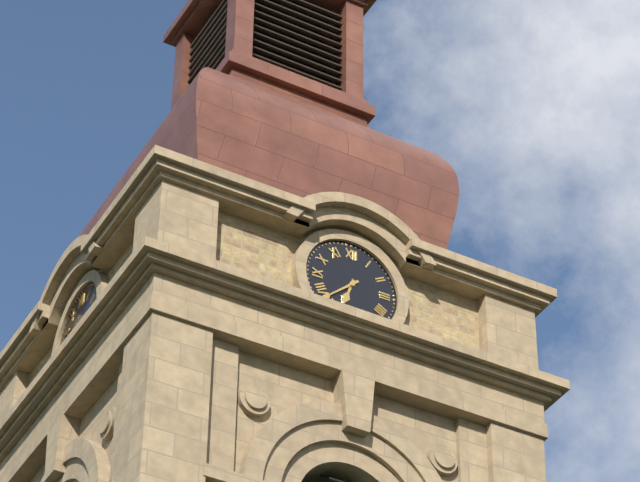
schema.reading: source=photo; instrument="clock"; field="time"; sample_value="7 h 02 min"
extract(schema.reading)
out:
6 h 38 min
